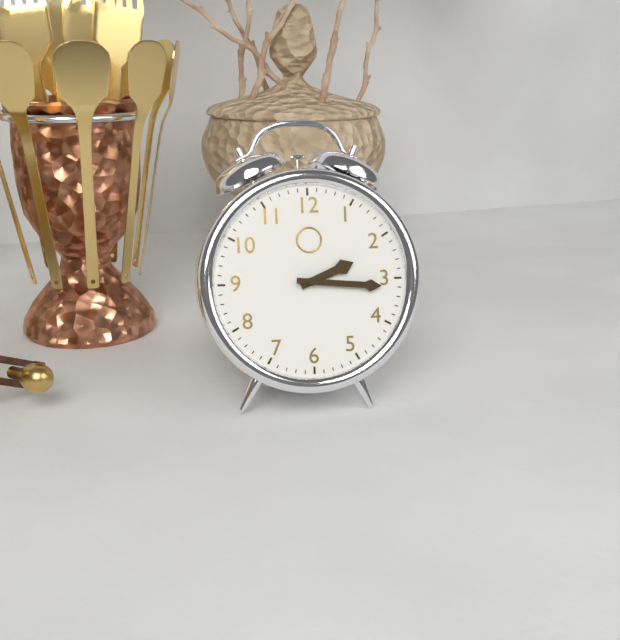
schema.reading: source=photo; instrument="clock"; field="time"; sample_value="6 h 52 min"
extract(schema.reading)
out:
2 h 16 min
